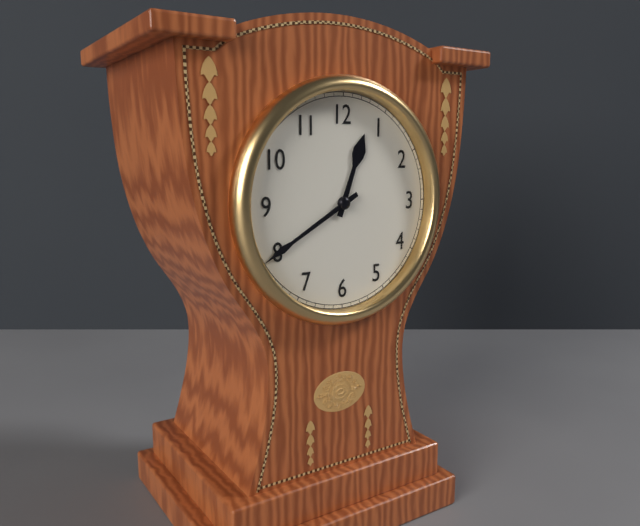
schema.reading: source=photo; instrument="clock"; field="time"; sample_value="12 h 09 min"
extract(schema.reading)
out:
12 h 40 min
